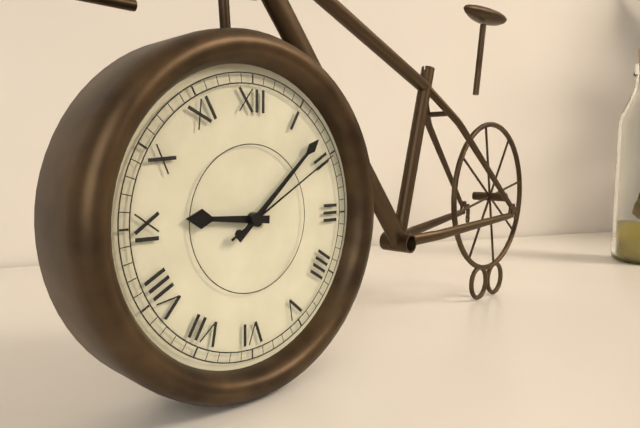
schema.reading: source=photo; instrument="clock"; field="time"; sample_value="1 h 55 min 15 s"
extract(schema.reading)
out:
9 h 08 min 10 s
